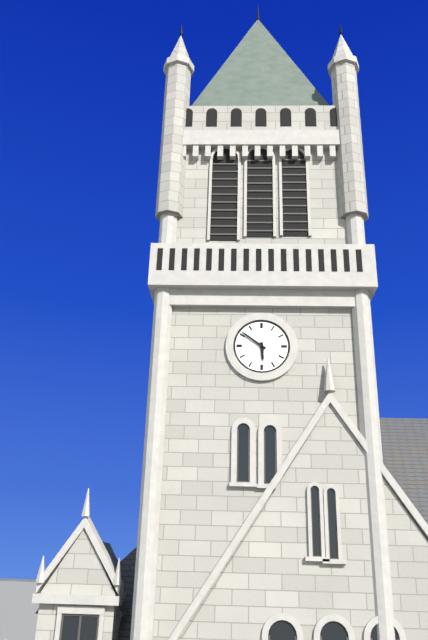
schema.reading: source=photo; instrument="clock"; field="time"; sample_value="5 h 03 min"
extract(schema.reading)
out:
5 h 51 min
